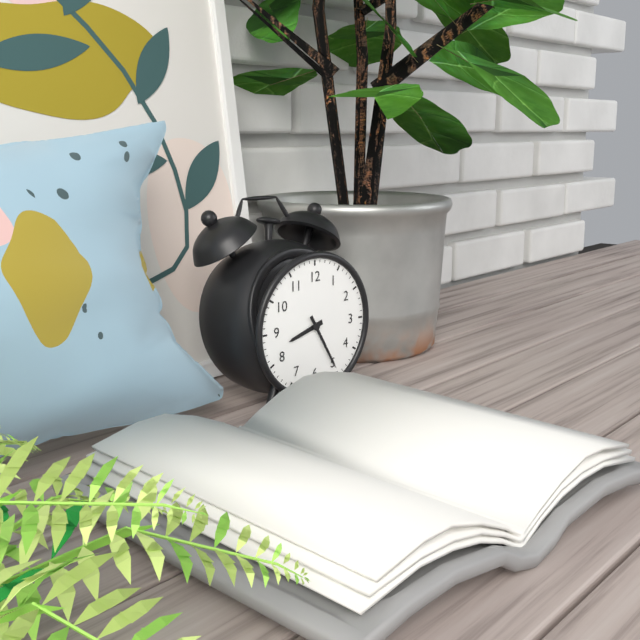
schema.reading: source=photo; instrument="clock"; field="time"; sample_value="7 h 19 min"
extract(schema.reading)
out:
8 h 25 min
